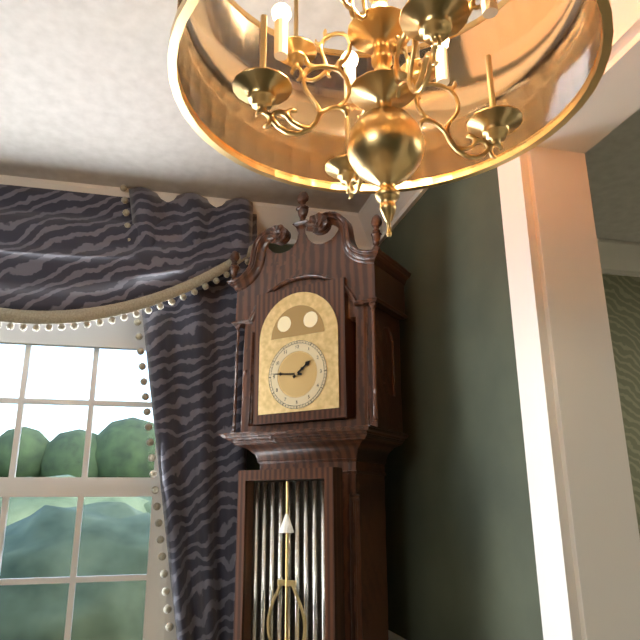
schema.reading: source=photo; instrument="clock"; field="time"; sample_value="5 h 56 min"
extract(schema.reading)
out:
1 h 46 min
